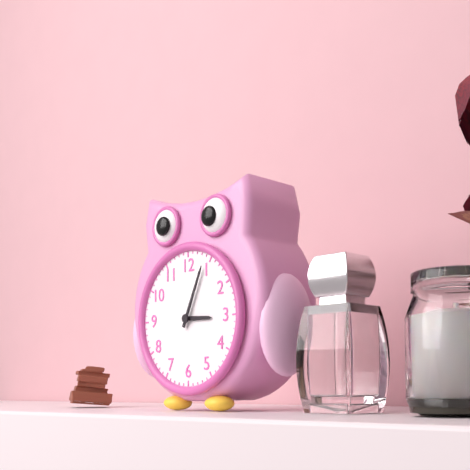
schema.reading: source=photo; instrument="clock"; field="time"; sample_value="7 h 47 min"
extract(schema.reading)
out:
3 h 04 min
